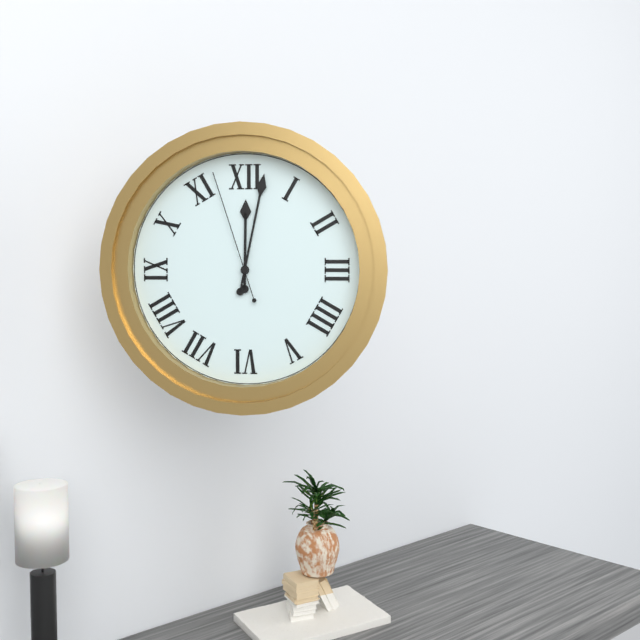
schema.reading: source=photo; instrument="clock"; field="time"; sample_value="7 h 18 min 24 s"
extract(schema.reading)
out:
12 h 02 min 57 s
